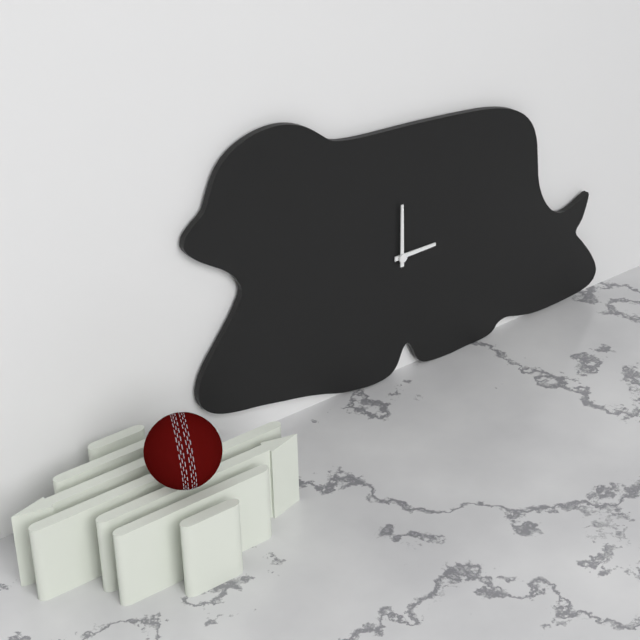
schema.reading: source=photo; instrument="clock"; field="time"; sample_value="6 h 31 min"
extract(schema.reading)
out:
3 h 00 min
